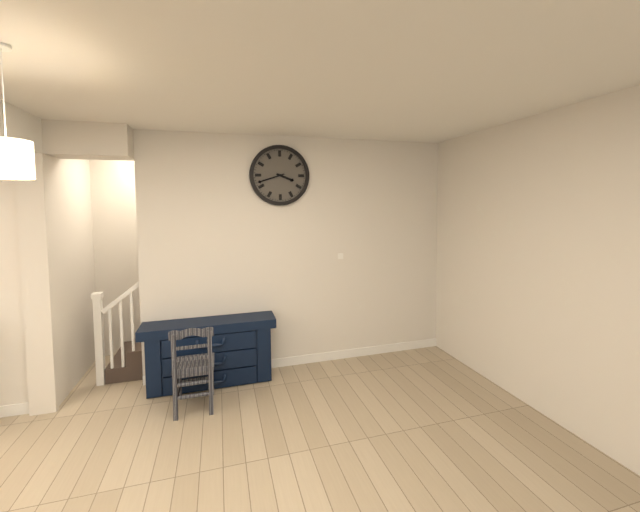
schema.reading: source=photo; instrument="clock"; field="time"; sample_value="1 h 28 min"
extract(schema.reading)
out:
3 h 42 min
